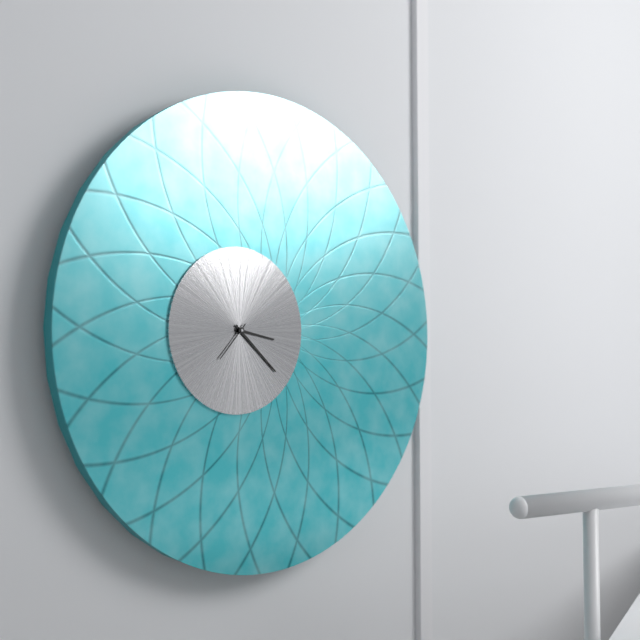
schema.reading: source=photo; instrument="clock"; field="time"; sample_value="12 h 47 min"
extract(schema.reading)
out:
3 h 22 min
